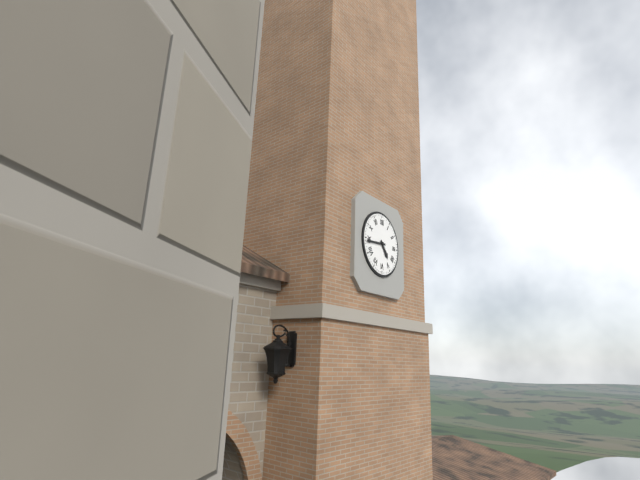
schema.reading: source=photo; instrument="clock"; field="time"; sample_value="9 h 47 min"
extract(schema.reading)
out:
4 h 44 min
